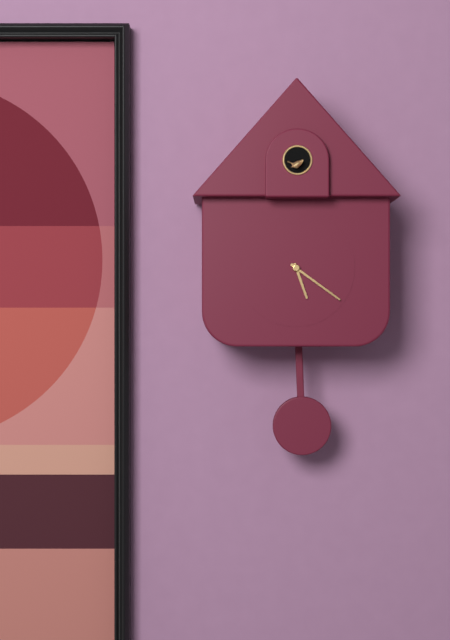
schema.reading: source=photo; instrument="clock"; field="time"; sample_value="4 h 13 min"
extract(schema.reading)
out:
5 h 21 min
